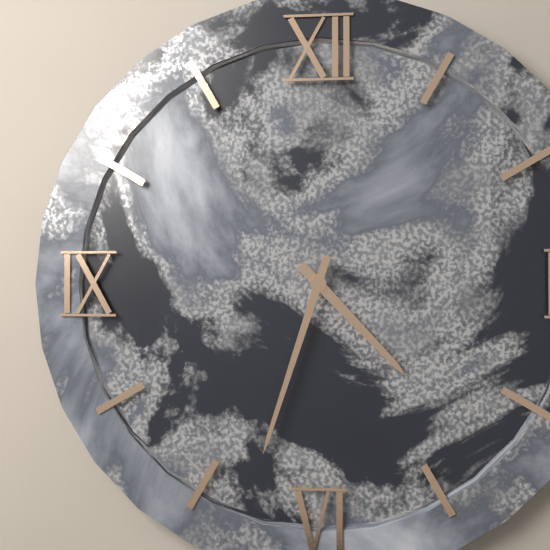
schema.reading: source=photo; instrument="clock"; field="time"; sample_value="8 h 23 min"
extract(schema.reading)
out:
4 h 33 min
